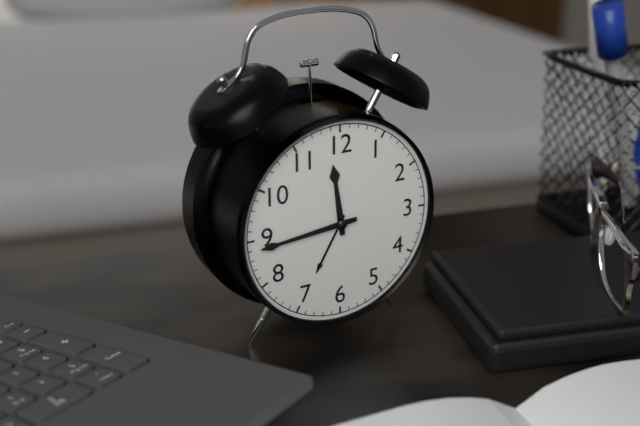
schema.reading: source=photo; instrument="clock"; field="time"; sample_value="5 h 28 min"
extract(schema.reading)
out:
11 h 44 min
